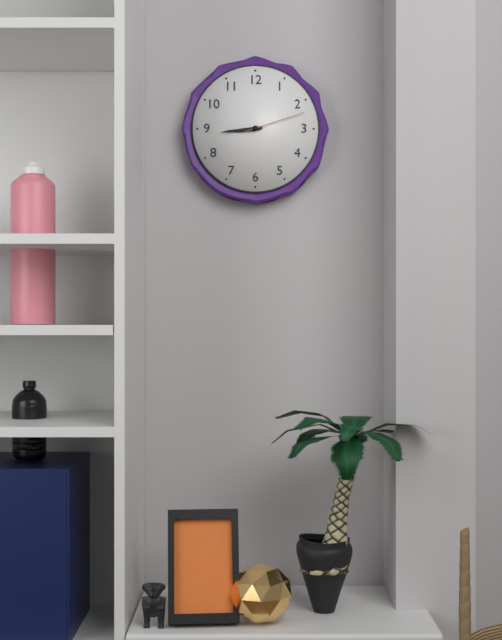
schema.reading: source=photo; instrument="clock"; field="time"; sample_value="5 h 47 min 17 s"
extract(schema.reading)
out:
8 h 44 min 12 s
